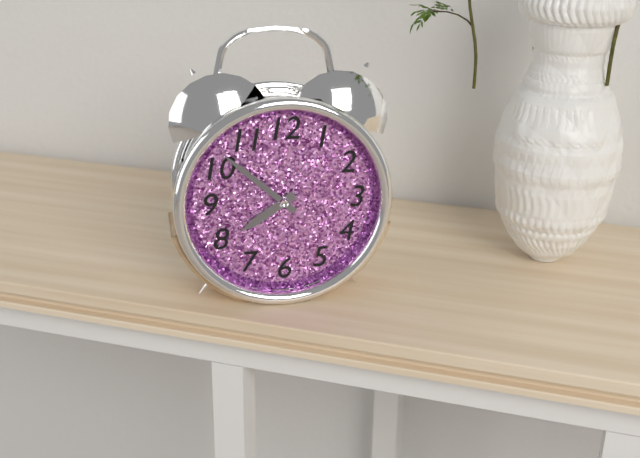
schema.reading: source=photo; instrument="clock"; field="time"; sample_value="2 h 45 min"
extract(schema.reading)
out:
7 h 52 min
